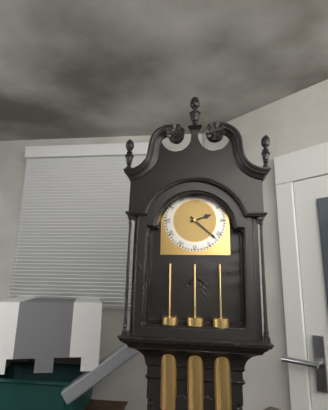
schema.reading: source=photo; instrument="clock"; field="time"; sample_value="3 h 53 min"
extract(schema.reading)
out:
2 h 22 min
